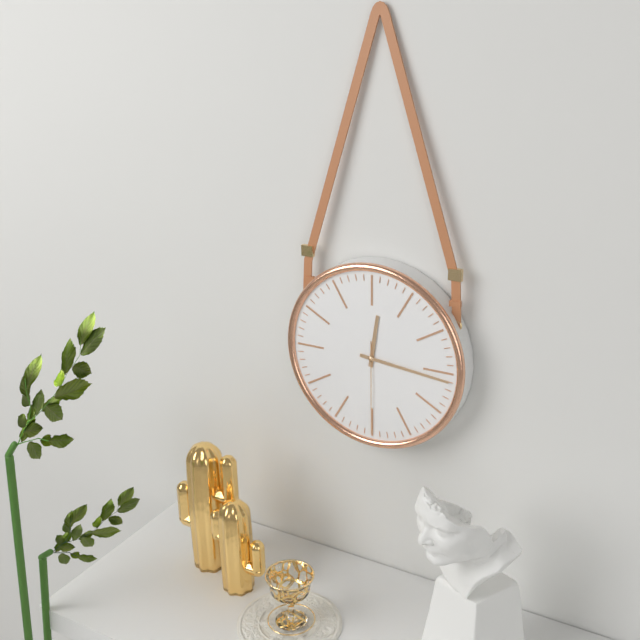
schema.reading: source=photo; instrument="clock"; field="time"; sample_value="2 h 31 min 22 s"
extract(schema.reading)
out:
12 h 16 min 30 s
